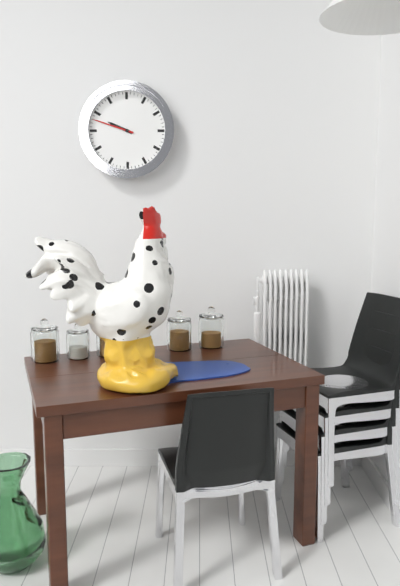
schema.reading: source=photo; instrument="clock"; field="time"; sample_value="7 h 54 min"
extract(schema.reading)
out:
9 h 48 min
